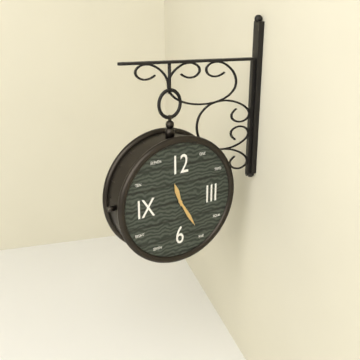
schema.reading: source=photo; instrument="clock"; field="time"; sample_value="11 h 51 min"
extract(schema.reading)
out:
11 h 25 min
